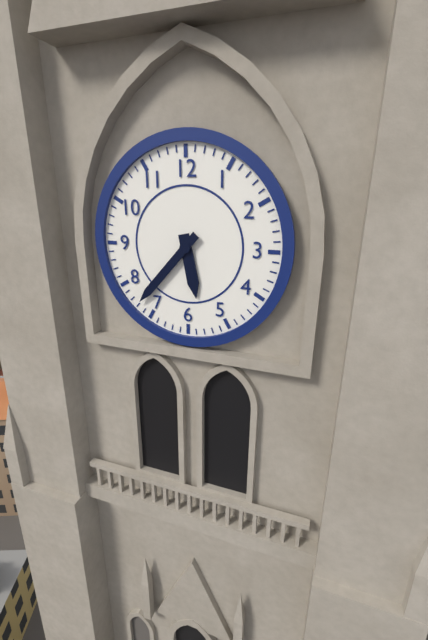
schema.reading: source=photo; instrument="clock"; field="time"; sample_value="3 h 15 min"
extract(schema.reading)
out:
5 h 37 min
